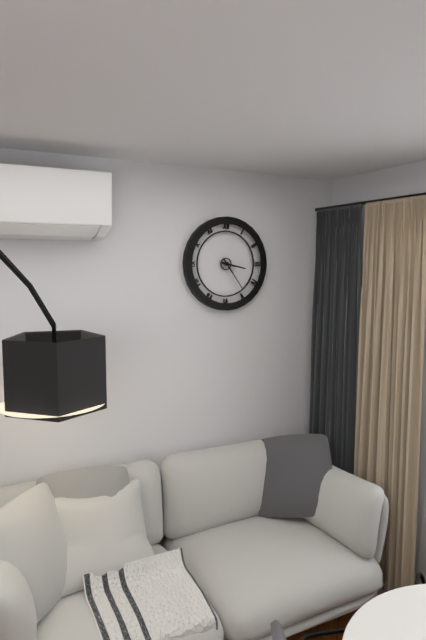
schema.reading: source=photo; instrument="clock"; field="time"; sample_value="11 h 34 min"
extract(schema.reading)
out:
3 h 24 min
